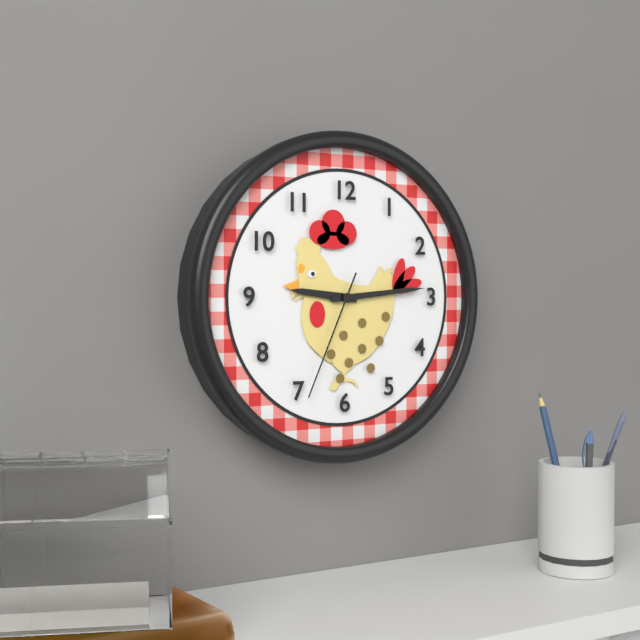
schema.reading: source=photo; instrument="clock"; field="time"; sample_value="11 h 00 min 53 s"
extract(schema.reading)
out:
9 h 14 min 34 s
